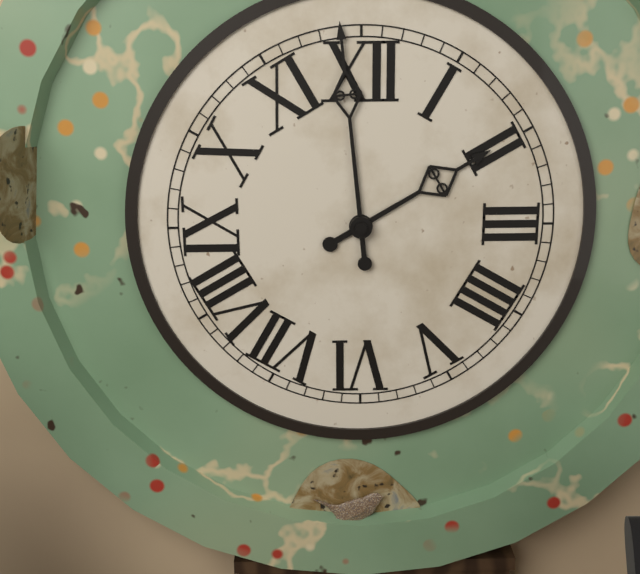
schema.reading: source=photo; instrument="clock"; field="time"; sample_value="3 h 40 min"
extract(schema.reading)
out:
1 h 59 min
